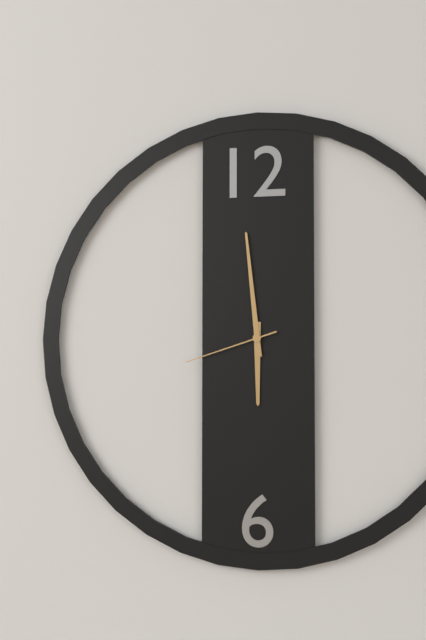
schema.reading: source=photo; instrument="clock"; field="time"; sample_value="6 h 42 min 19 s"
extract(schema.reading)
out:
5 h 59 min 42 s
